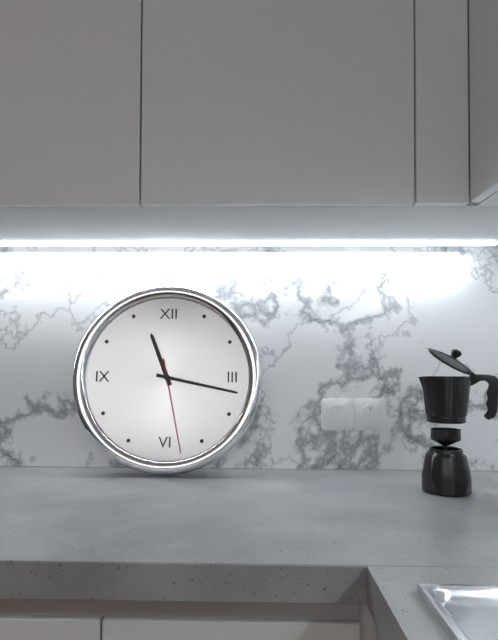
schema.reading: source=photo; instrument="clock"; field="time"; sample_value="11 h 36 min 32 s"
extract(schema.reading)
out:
11 h 17 min 28 s
